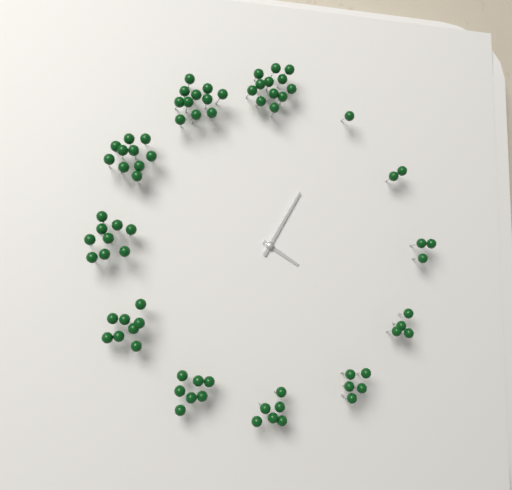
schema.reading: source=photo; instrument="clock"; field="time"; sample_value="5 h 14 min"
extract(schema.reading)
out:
4 h 05 min
